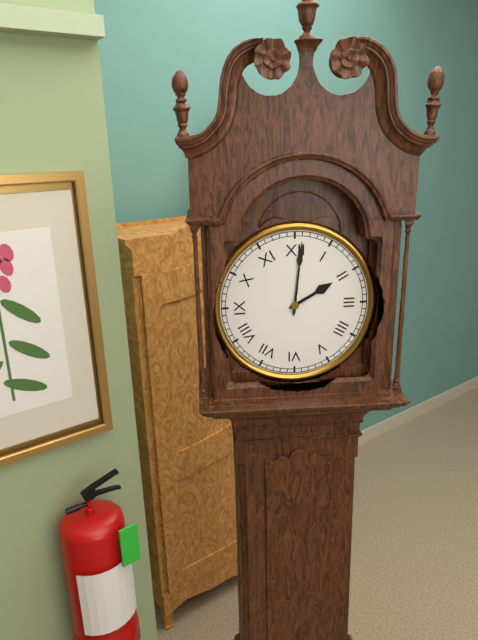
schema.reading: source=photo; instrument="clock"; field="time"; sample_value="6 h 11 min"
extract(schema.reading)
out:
2 h 01 min
